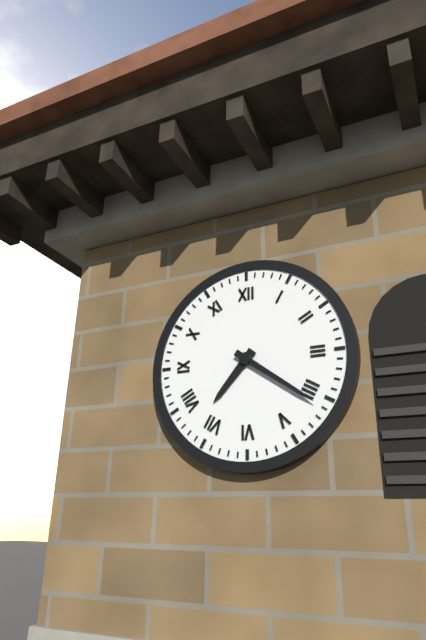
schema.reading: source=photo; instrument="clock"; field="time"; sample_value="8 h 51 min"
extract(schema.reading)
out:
7 h 21 min
